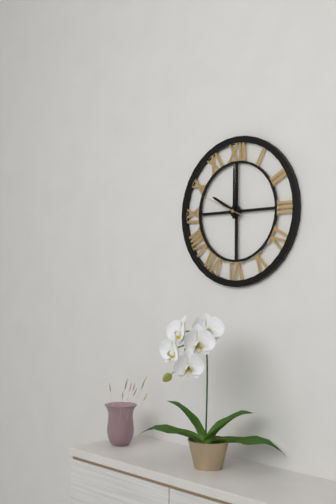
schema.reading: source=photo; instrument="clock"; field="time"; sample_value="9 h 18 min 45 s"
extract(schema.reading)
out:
10 h 00 min 49 s
